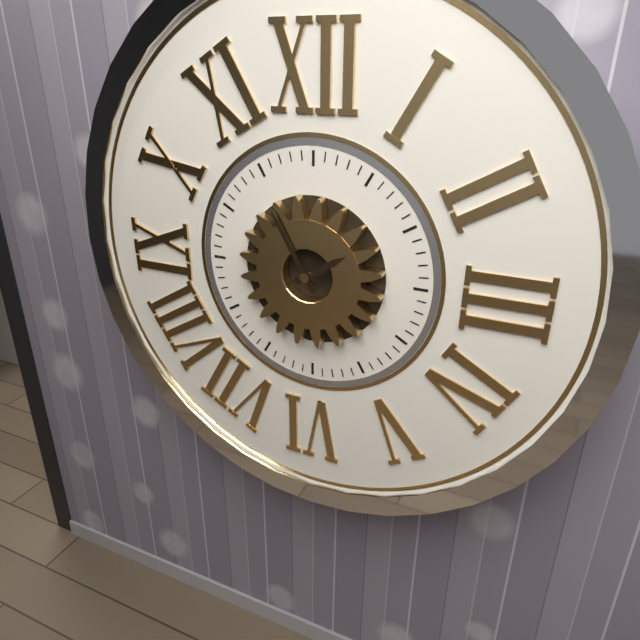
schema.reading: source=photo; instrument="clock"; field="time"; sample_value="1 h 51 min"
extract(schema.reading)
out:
1 h 55 min
